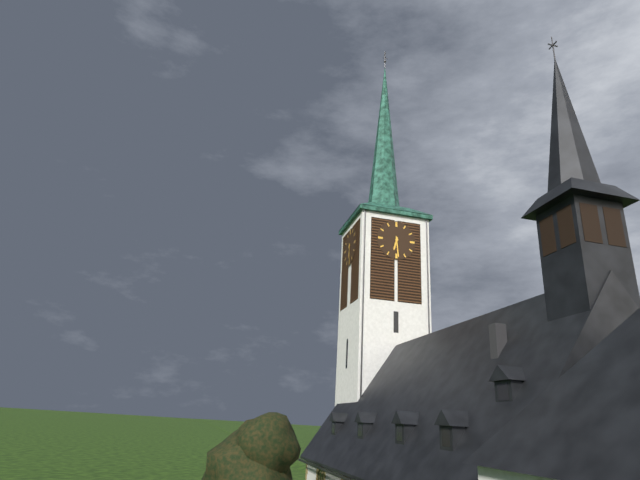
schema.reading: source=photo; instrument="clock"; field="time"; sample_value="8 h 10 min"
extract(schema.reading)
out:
6 h 29 min
